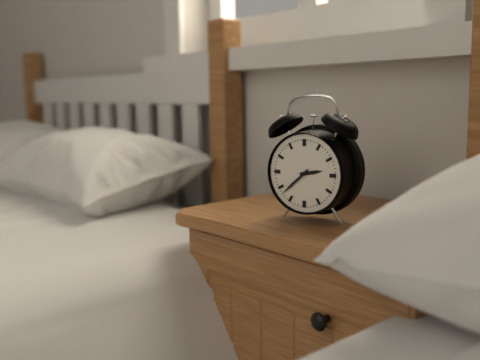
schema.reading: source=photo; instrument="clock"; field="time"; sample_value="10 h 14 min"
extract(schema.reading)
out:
2 h 38 min
